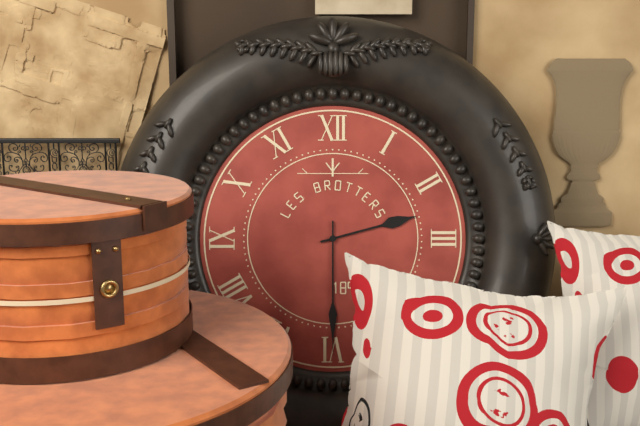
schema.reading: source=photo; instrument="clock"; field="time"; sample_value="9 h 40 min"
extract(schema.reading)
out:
2 h 30 min
